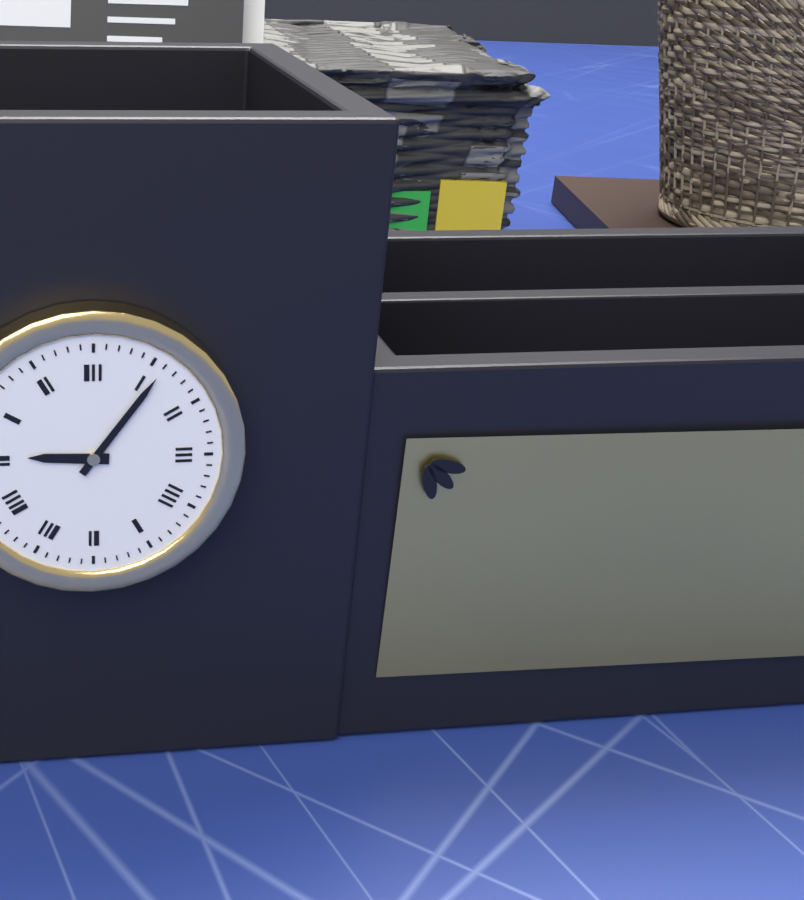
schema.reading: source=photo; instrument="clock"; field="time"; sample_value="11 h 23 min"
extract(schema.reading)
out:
9 h 06 min
